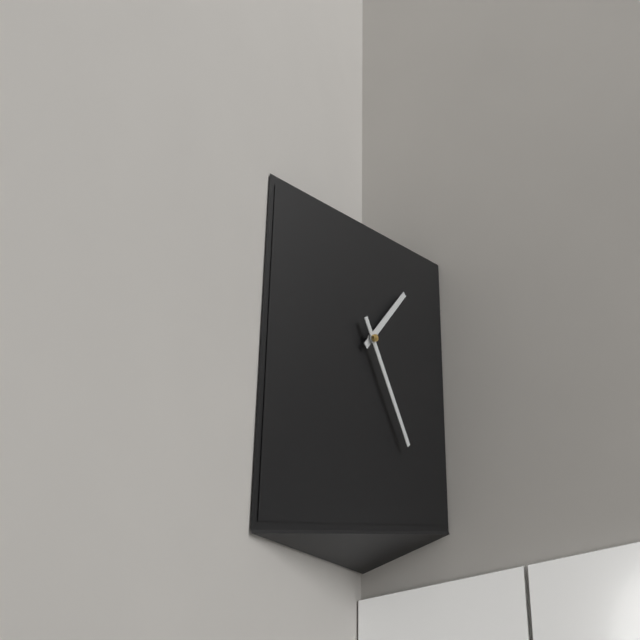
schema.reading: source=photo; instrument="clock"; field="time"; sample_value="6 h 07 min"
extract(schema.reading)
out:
1 h 25 min
